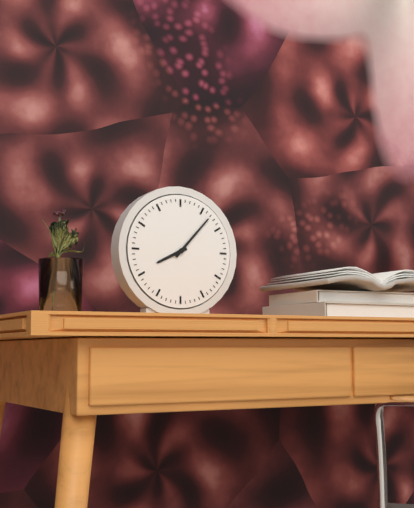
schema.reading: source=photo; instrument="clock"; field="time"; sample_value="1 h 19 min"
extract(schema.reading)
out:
8 h 07 min
